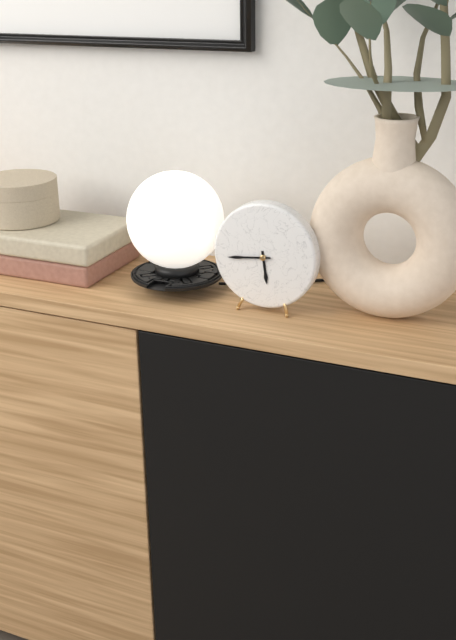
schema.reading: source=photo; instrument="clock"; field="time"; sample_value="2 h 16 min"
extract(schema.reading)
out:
5 h 44 min
